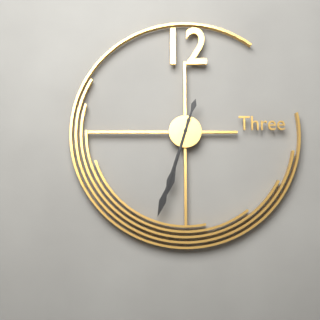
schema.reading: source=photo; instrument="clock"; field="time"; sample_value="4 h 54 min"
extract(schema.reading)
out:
6 h 33 min
